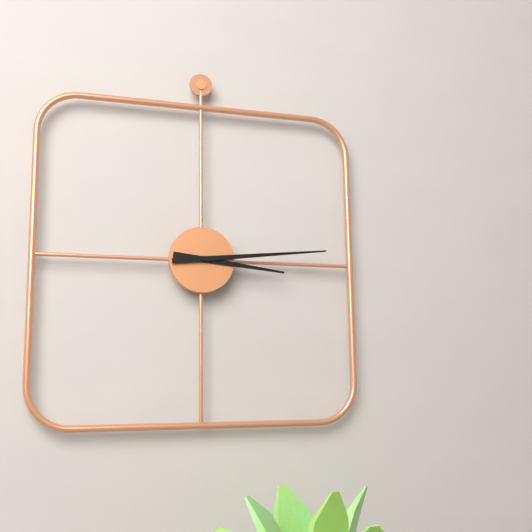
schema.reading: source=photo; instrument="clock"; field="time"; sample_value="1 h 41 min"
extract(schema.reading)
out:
3 h 14 min
